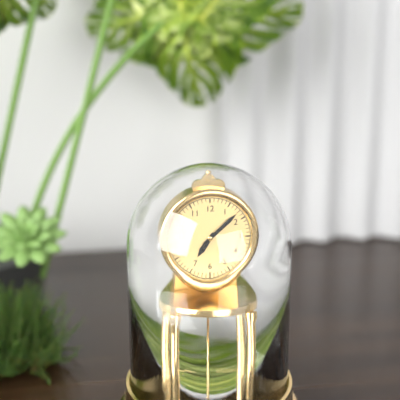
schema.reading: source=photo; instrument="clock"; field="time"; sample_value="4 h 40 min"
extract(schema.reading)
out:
7 h 08 min
